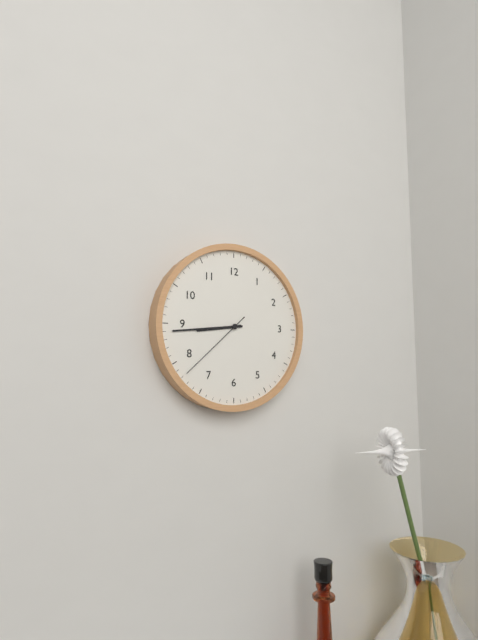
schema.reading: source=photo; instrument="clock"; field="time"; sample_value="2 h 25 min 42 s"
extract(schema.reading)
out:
8 h 44 min 38 s
